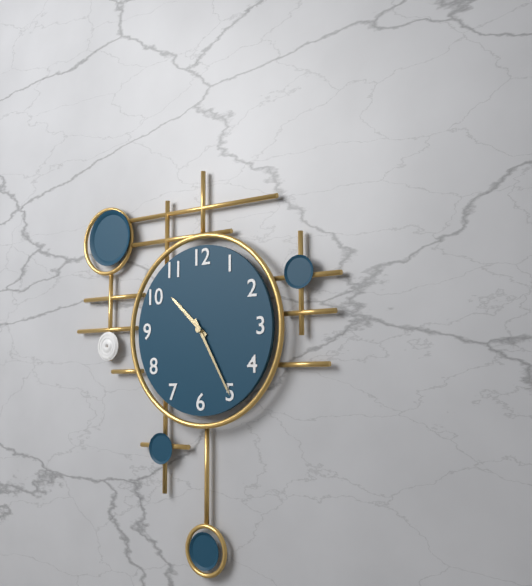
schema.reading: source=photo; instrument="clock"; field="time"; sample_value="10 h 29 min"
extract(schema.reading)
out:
10 h 25 min
